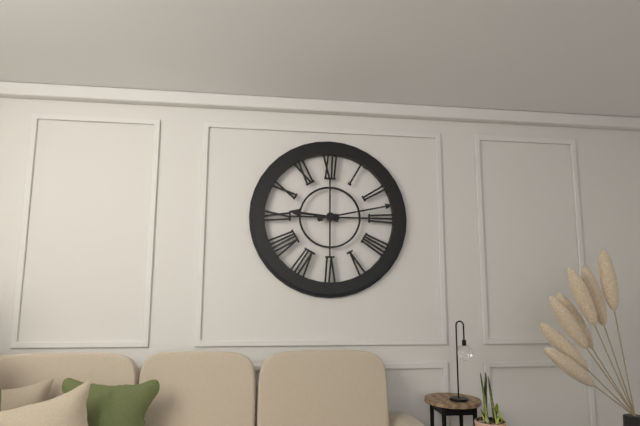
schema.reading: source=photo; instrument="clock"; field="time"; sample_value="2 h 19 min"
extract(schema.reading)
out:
9 h 13 min
